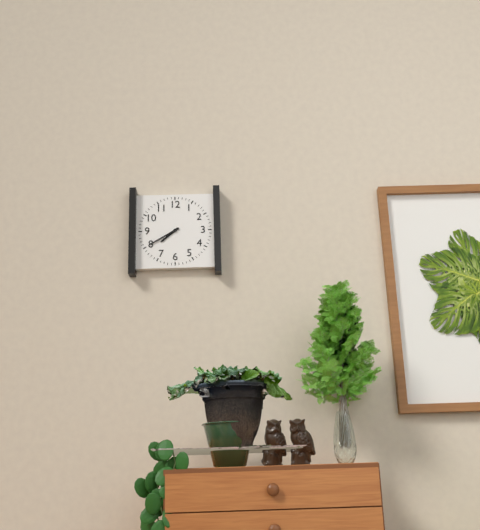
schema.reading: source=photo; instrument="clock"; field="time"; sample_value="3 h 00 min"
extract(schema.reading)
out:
7 h 40 min
